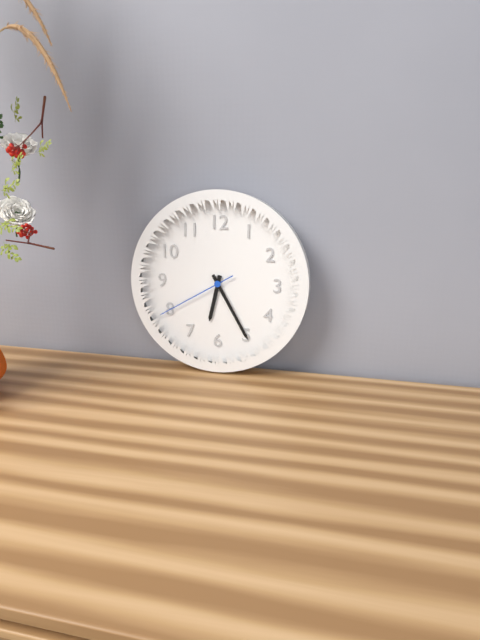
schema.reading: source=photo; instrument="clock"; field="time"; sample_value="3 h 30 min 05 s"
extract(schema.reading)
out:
6 h 25 min 40 s
